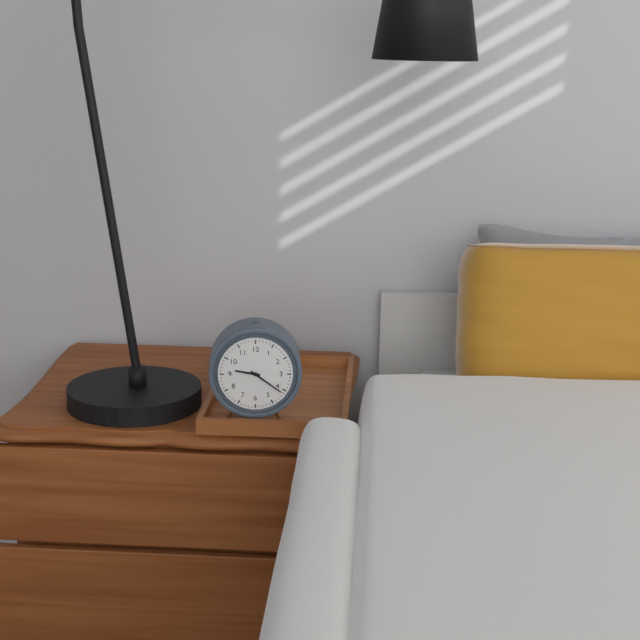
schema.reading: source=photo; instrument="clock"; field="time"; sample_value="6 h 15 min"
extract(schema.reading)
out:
9 h 21 min
